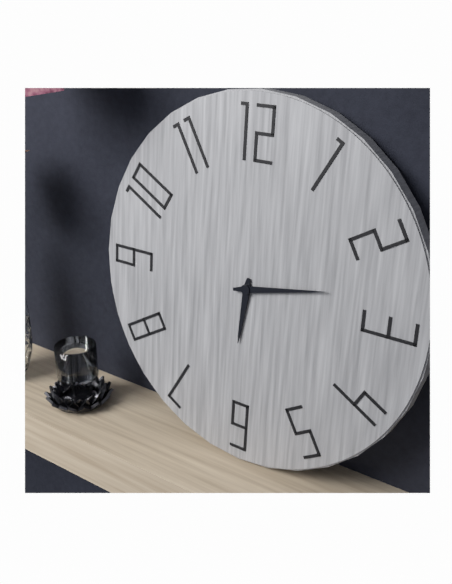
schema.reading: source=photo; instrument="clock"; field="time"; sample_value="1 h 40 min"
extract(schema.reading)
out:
6 h 13 min
